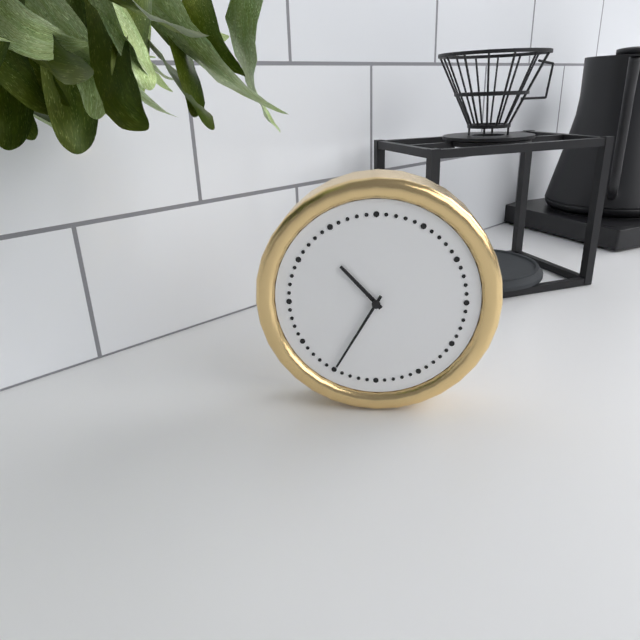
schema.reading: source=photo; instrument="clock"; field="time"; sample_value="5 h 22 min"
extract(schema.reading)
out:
10 h 35 min
